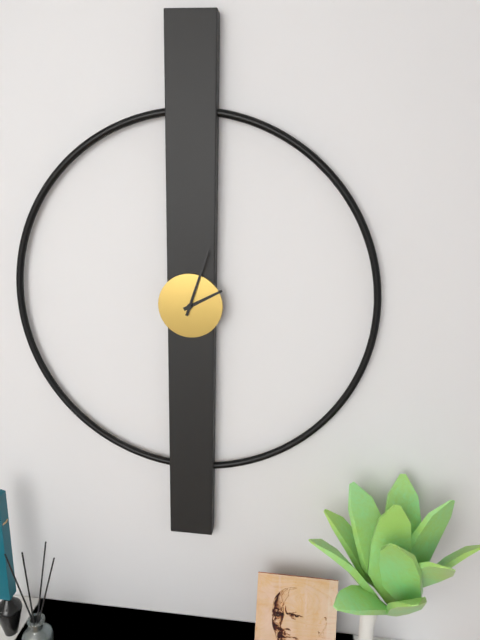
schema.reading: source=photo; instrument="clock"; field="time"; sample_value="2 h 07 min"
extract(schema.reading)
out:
2 h 03 min
